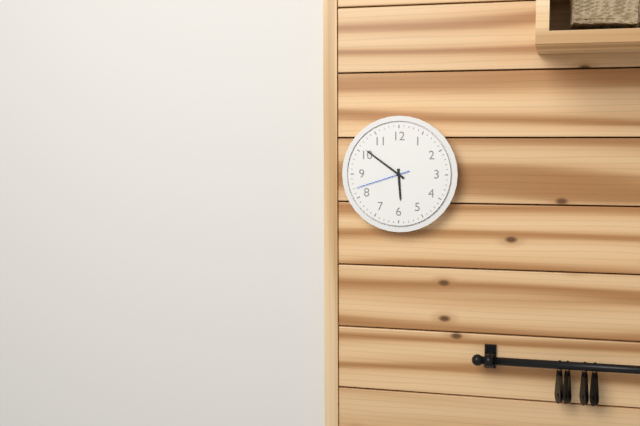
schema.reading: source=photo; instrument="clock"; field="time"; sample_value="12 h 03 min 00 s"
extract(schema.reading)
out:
5 h 51 min 42 s
